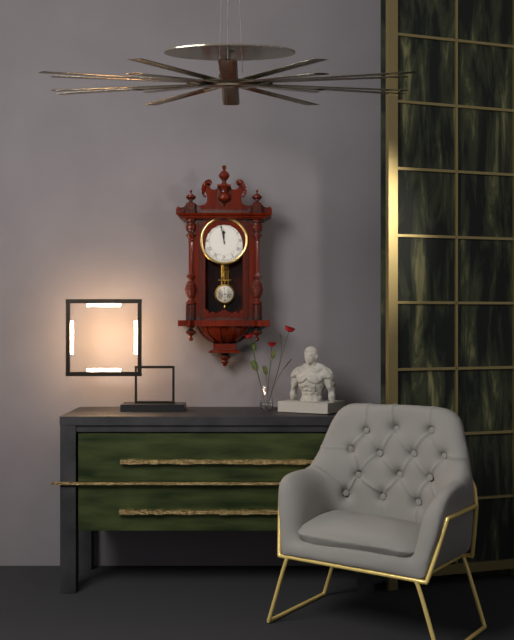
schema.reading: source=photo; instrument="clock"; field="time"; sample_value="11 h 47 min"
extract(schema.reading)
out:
11 h 58 min
